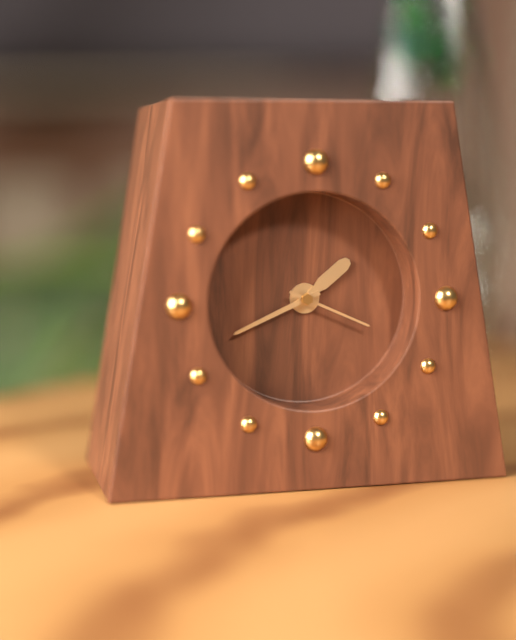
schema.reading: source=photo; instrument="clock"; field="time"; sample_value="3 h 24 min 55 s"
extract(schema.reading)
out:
1 h 41 min 19 s
